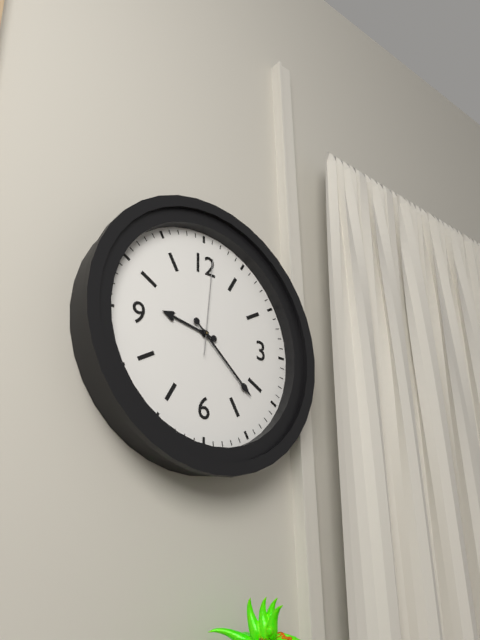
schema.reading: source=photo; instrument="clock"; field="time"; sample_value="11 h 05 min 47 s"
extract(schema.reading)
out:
9 h 22 min 01 s
